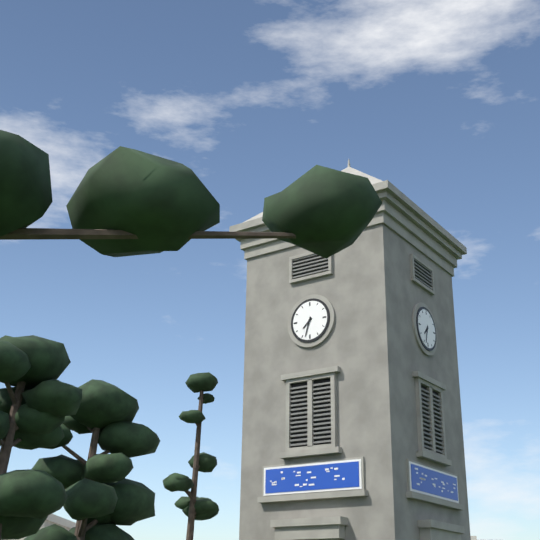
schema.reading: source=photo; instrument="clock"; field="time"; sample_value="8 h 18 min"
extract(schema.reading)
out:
7 h 33 min
